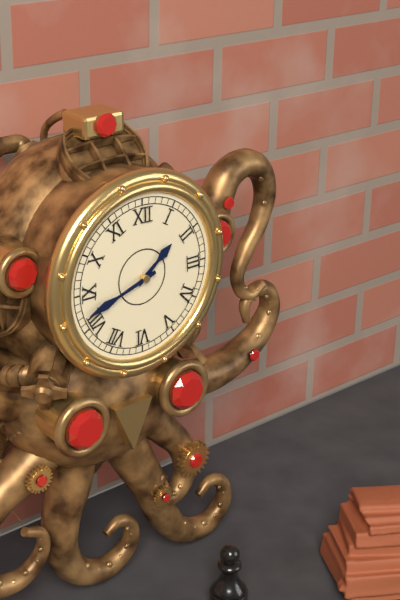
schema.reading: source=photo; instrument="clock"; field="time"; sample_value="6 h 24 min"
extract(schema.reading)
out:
1 h 42 min
